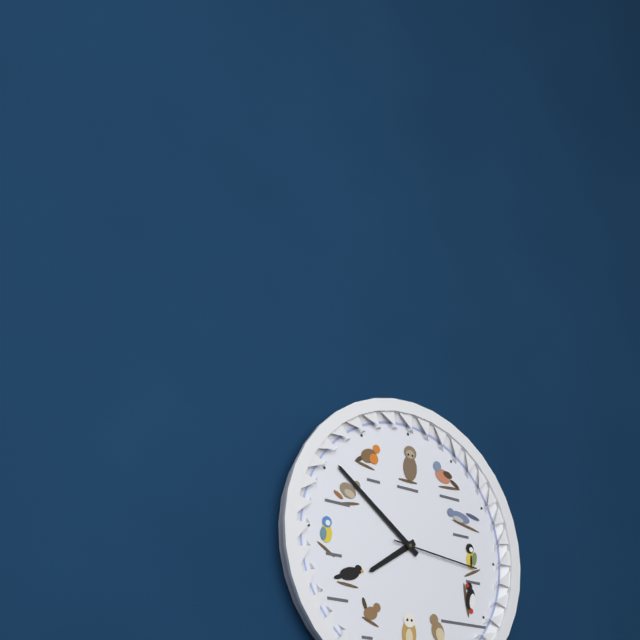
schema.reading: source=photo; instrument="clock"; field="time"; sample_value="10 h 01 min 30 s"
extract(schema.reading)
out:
7 h 51 min 16 s
